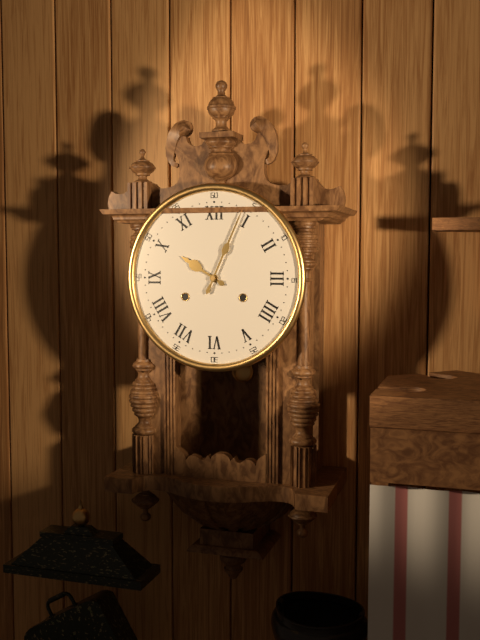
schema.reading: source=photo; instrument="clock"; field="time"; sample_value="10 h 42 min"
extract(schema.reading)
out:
10 h 04 min
